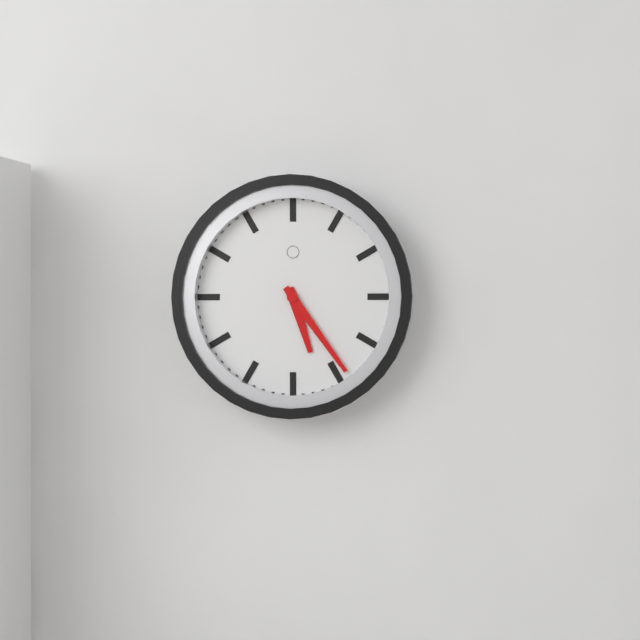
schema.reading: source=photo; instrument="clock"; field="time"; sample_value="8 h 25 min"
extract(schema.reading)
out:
5 h 24 min
